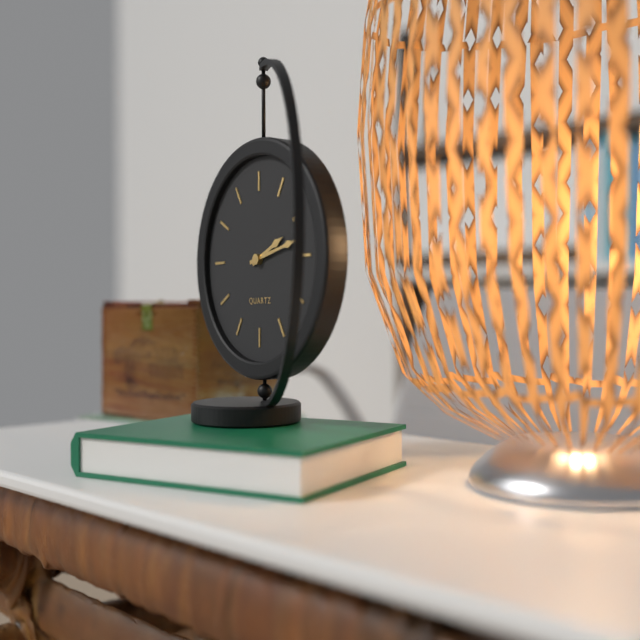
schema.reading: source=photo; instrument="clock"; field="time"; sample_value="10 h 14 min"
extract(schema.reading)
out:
2 h 13 min
